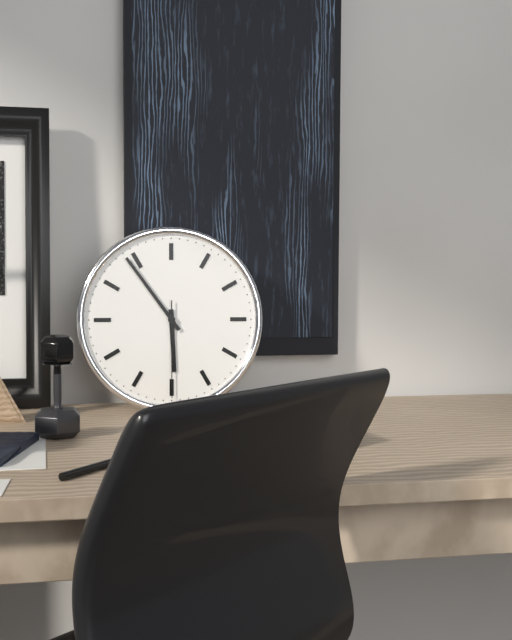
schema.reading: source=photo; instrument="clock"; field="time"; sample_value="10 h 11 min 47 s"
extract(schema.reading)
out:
5 h 54 min 30 s
